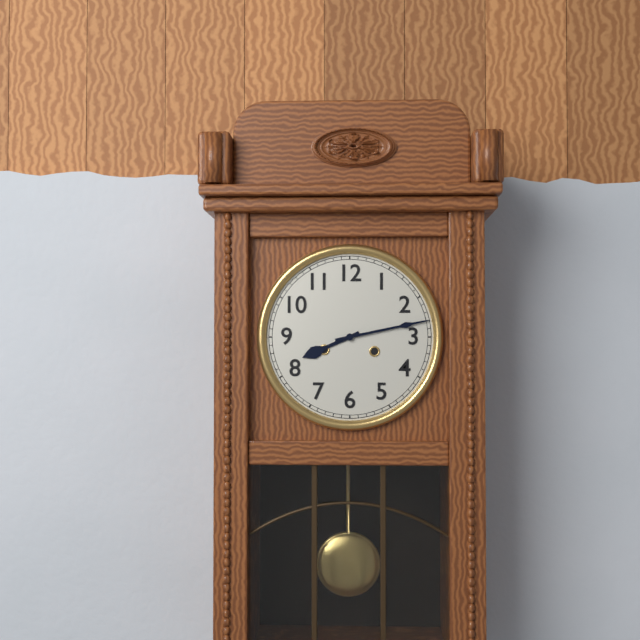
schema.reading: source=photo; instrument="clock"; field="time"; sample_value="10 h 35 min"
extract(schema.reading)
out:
8 h 13 min
